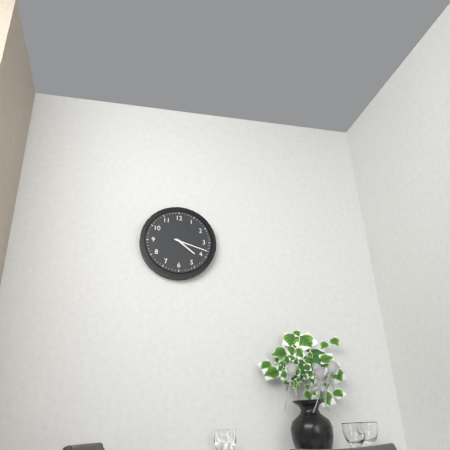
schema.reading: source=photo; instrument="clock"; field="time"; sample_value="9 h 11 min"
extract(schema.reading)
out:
4 h 18 min
